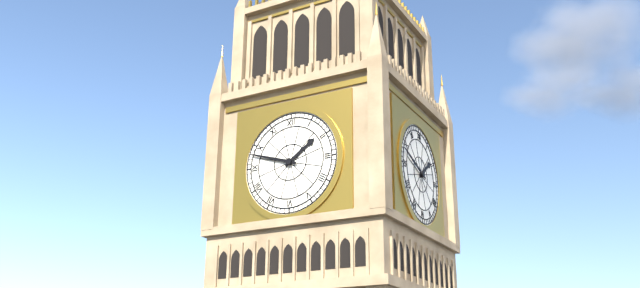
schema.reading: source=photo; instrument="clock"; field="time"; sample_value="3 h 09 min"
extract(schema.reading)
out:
1 h 48 min
